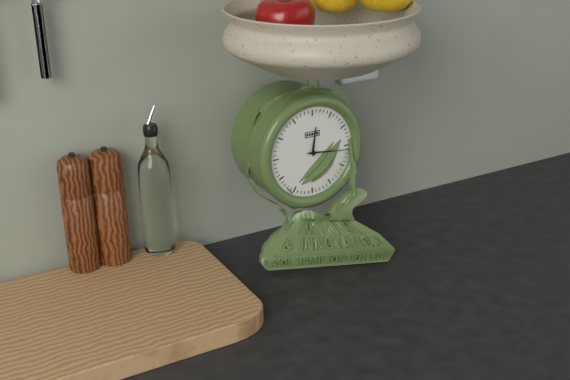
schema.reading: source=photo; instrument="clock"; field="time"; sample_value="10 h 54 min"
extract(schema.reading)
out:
12 h 16 min
